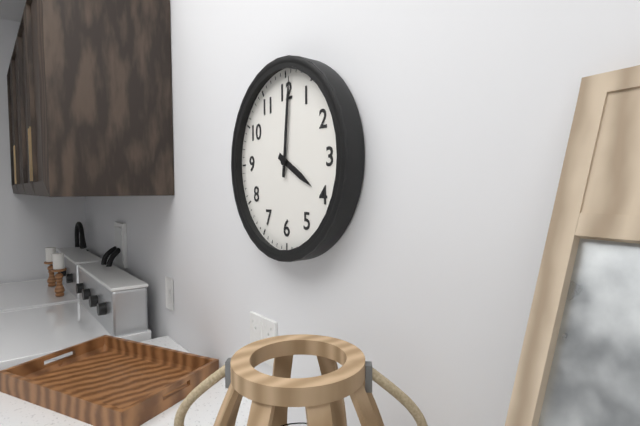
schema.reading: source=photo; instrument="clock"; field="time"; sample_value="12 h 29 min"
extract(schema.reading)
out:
4 h 01 min
